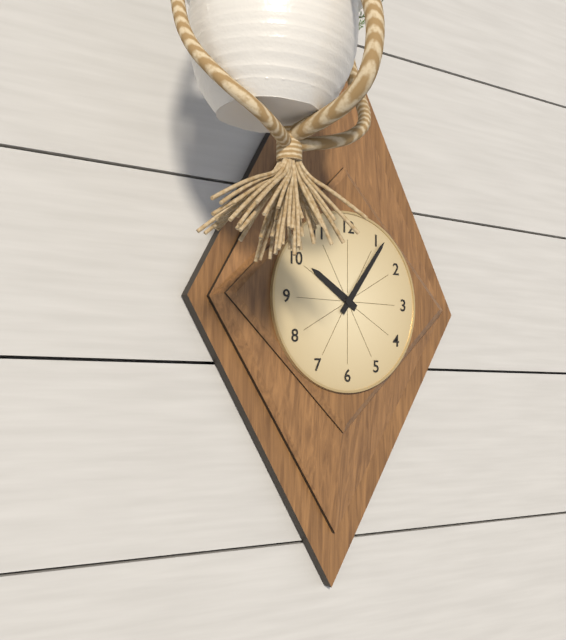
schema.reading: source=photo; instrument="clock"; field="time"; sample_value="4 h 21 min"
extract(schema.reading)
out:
10 h 06 min
